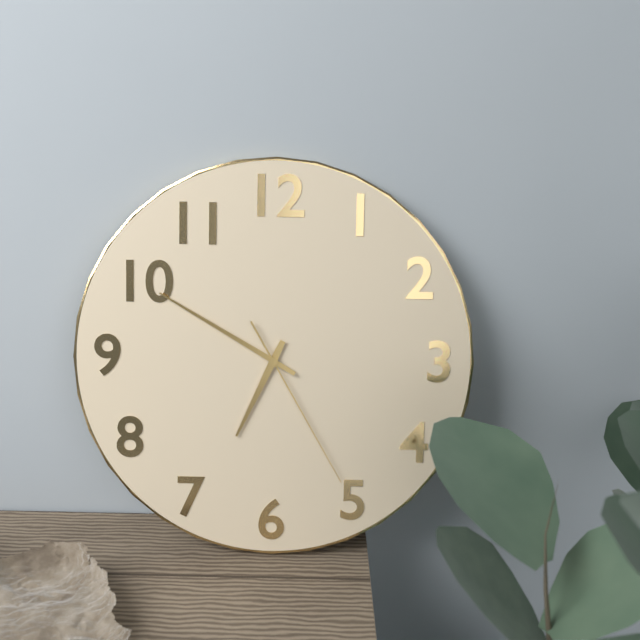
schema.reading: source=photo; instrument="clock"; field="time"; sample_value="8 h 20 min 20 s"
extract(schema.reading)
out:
6 h 50 min 25 s
